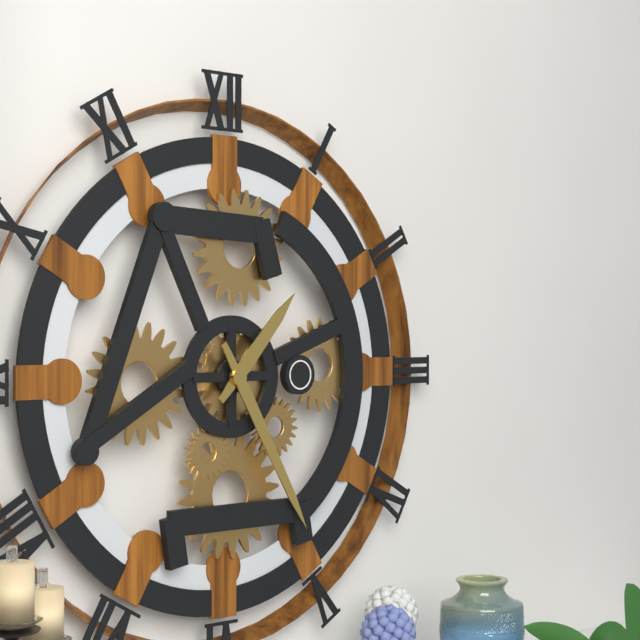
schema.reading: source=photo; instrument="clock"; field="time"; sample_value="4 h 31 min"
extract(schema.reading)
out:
1 h 25 min
